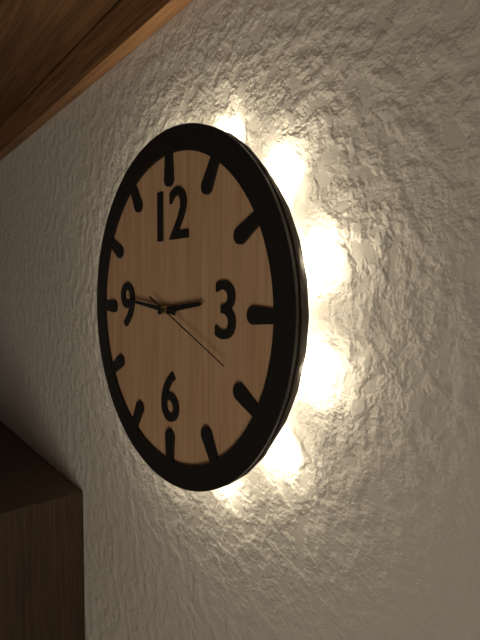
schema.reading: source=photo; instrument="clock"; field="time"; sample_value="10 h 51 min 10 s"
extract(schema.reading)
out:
2 h 46 min 19 s
